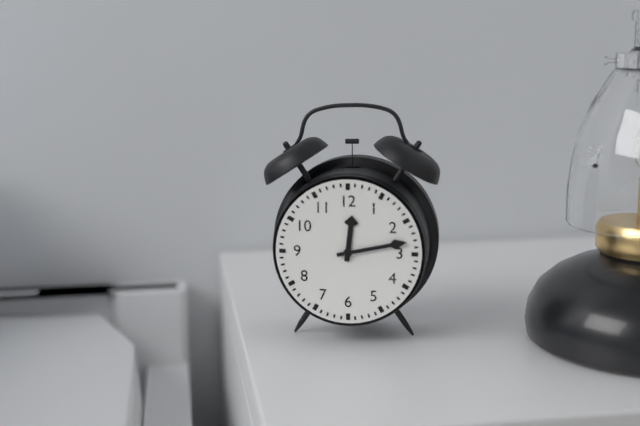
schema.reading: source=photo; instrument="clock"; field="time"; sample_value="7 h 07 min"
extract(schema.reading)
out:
12 h 13 min
